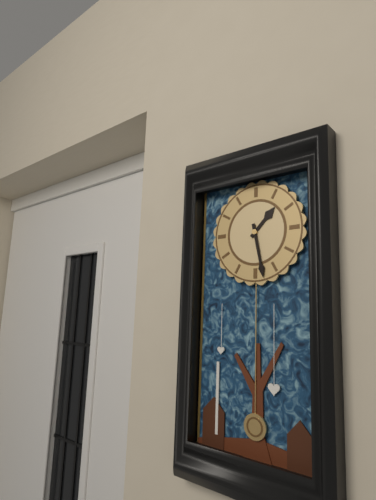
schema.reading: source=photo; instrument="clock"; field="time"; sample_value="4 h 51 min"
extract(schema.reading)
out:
1 h 28 min
